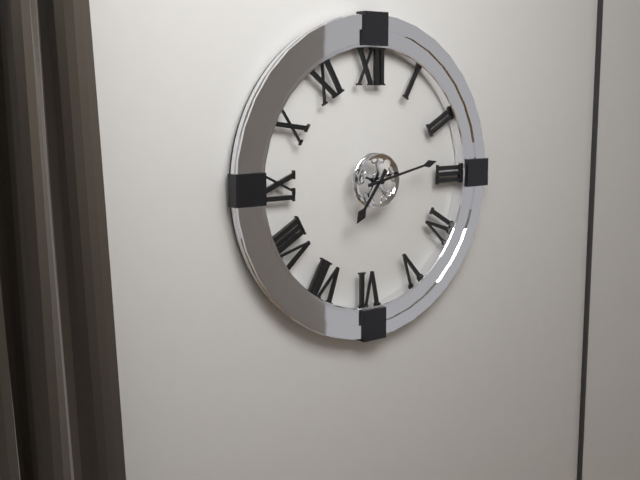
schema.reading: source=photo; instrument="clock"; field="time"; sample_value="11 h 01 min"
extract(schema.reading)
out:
7 h 13 min
